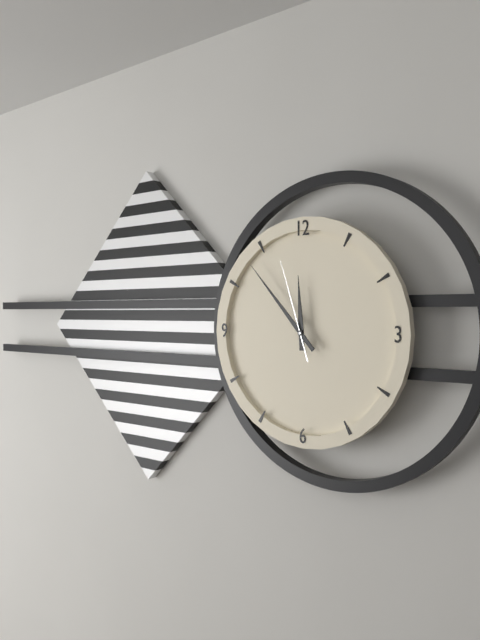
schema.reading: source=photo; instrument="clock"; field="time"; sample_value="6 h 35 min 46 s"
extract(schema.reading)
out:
11 h 53 min 57 s
